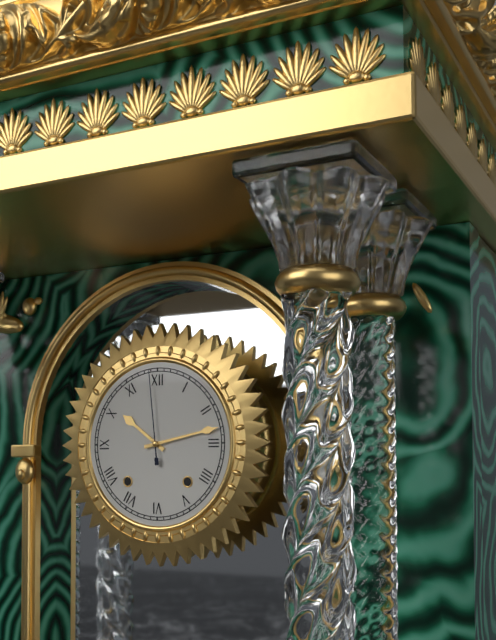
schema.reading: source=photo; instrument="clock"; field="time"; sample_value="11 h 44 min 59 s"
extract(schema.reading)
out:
10 h 13 min 59 s
